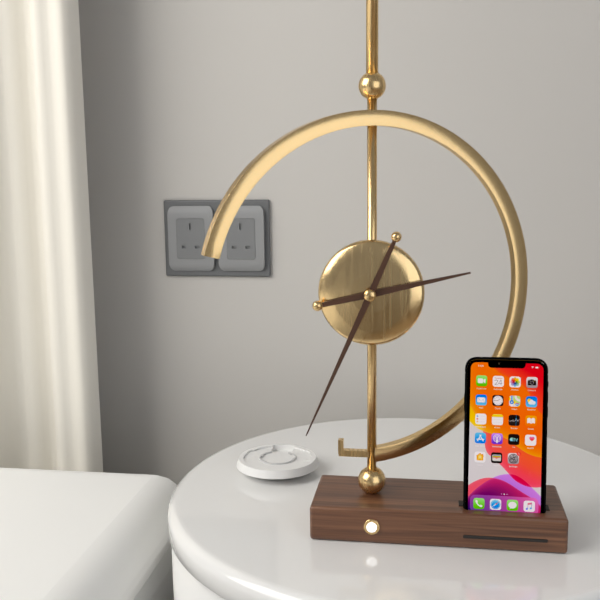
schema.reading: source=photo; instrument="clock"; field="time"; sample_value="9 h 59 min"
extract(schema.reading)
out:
2 h 34 min
